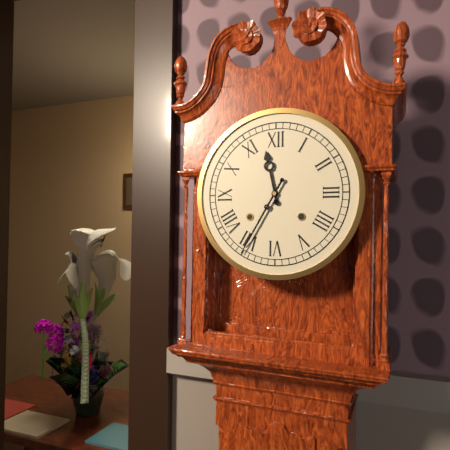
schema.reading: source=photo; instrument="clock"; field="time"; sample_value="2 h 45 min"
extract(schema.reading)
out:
11 h 35 min
